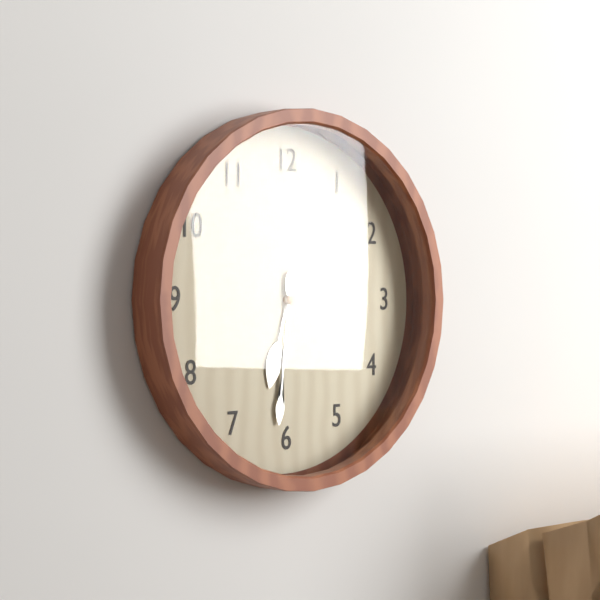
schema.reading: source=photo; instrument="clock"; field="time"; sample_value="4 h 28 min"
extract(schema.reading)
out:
6 h 31 min
